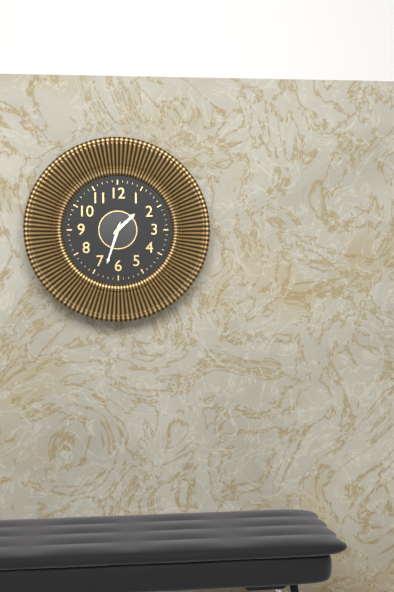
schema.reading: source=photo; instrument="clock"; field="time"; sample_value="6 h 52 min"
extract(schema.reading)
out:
1 h 33 min
